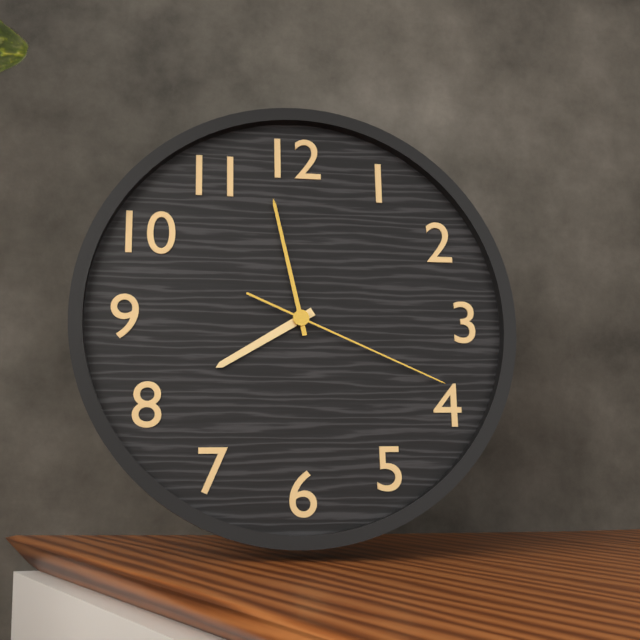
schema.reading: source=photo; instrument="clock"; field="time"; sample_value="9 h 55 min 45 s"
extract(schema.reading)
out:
7 h 58 min 19 s
